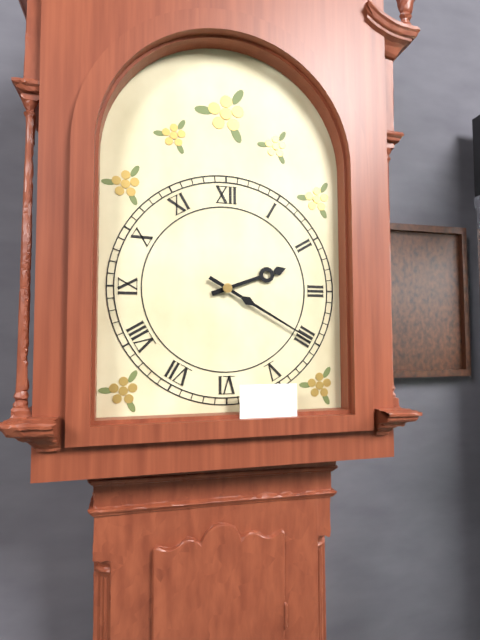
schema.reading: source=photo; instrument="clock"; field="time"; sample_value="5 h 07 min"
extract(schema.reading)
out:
2 h 20 min
